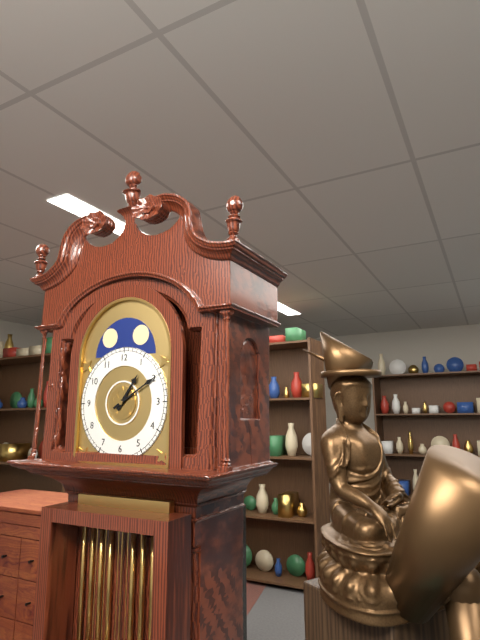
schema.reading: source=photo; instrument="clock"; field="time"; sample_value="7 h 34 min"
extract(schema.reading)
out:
1 h 10 min
